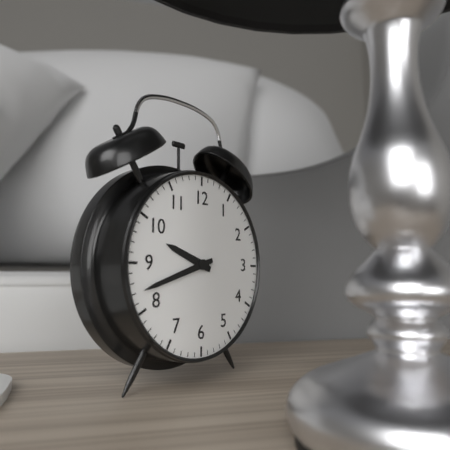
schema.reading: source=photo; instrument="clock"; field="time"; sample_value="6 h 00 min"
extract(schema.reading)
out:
9 h 42 min
